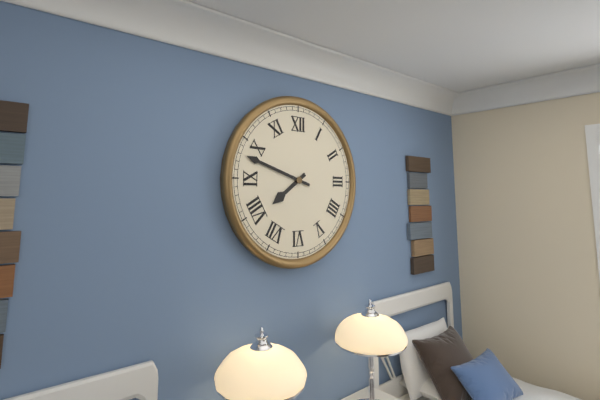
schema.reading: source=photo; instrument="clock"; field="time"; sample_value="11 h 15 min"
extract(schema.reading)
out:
7 h 48 min
